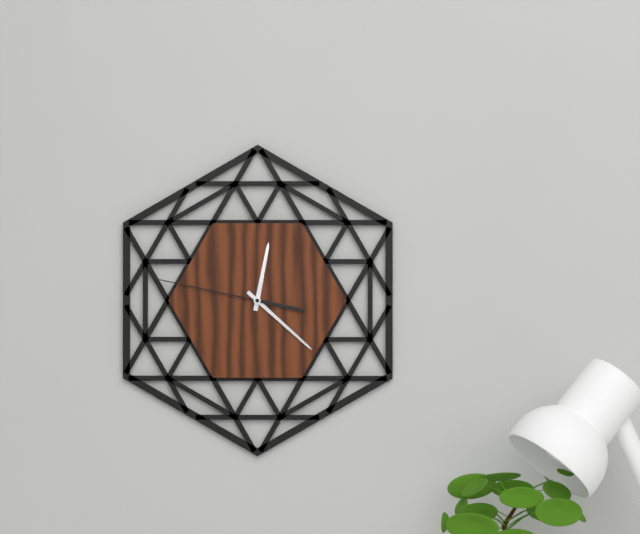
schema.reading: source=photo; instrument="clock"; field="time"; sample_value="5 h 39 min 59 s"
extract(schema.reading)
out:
12 h 22 min 47 s
